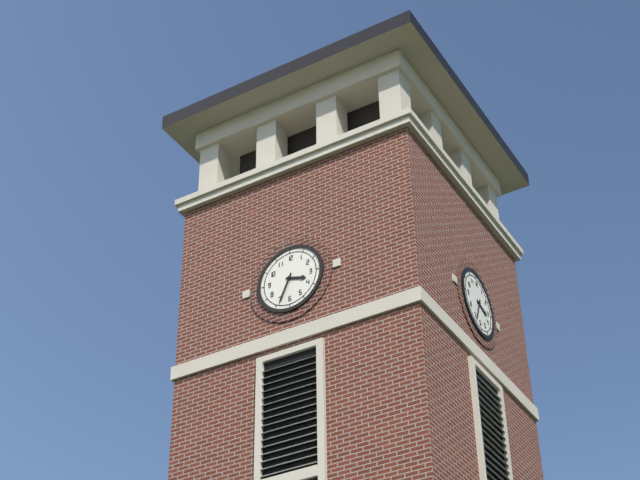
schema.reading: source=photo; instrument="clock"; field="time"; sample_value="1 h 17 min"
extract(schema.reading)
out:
3 h 34 min
